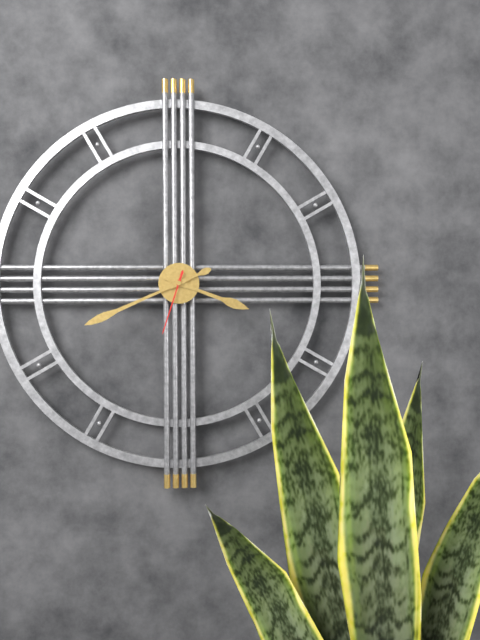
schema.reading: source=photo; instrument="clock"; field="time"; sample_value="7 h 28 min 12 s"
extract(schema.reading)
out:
3 h 41 min 33 s
